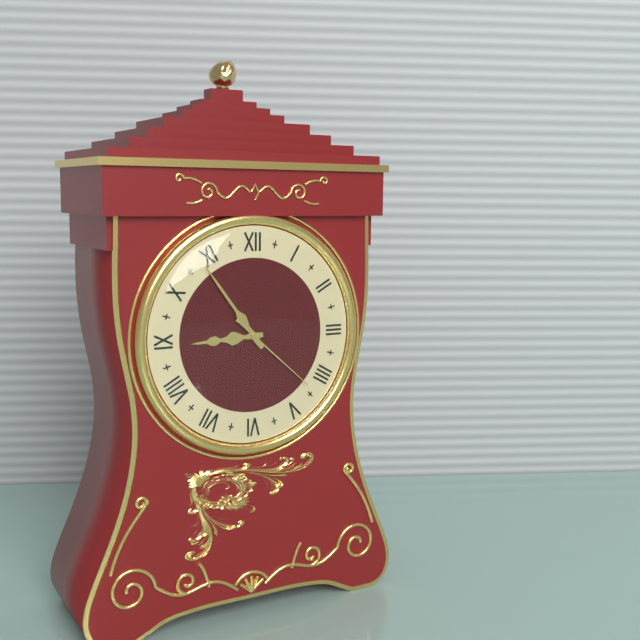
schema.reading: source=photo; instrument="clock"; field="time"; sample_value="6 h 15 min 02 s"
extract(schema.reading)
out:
8 h 54 min 22 s
